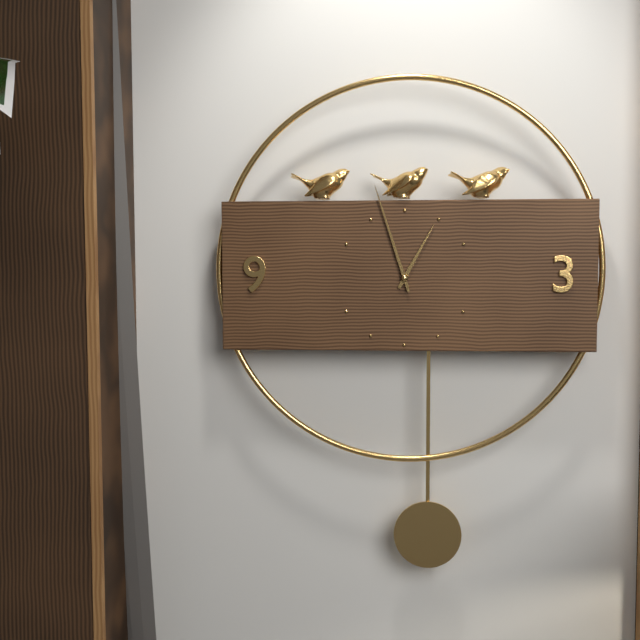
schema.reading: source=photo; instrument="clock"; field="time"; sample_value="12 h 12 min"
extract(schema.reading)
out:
12 h 57 min
